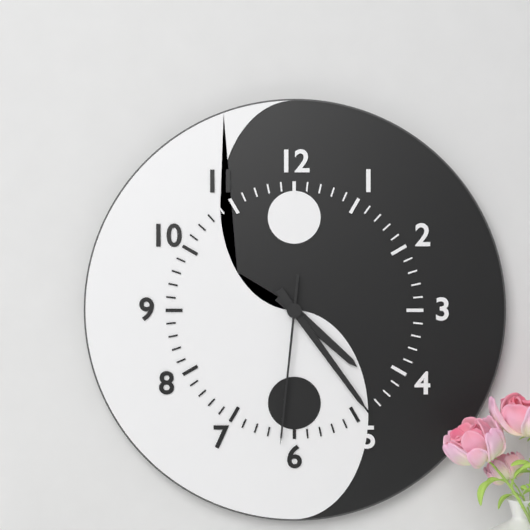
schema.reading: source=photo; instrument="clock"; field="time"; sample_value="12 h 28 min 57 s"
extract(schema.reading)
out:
4 h 24 min 31 s
